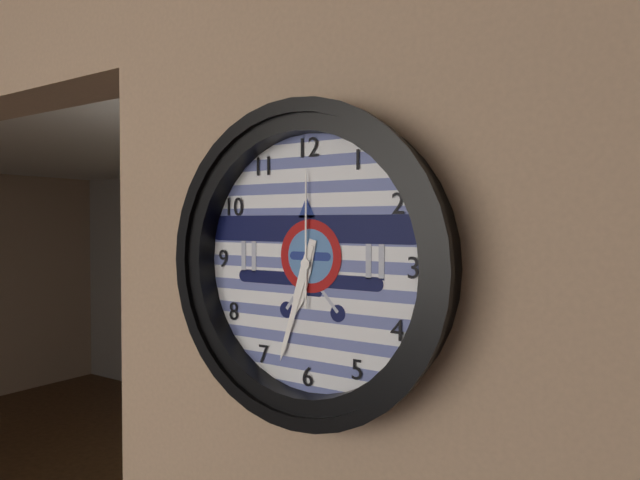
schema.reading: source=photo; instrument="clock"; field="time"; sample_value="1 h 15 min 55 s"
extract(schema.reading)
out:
6 h 33 min 00 s
